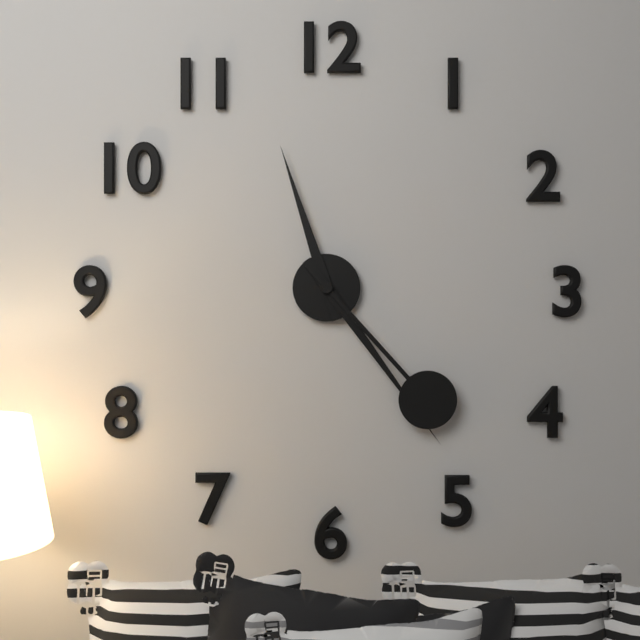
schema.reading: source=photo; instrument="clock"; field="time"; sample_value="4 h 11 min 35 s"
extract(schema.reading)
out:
11 h 24 min 23 s
